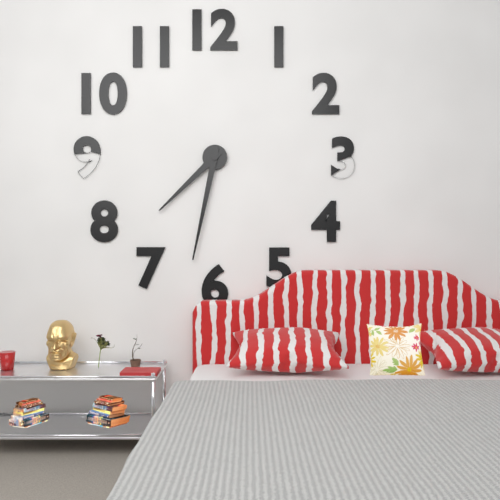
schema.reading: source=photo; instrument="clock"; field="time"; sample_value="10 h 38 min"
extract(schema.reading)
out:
7 h 32 min
